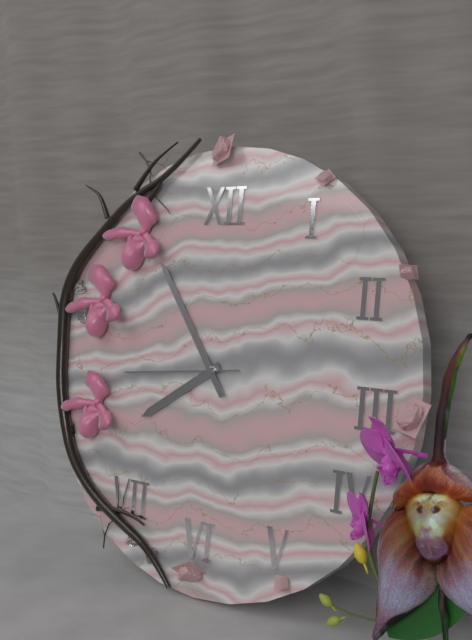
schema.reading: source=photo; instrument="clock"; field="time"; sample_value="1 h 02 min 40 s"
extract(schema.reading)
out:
7 h 54 min 44 s
